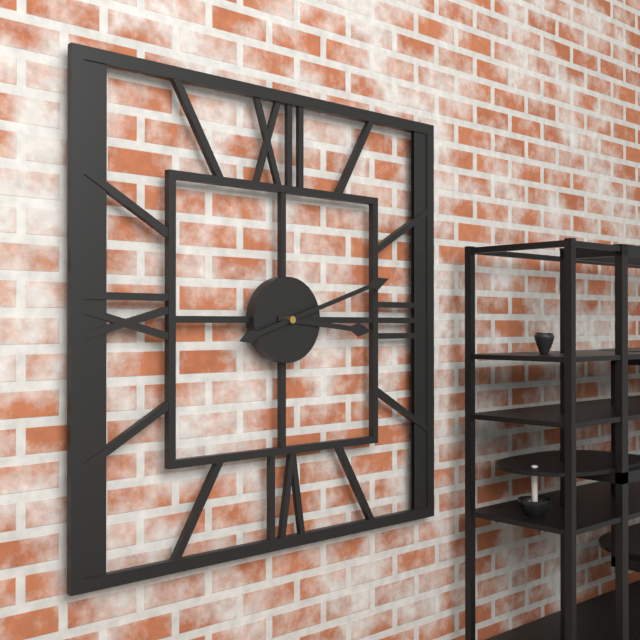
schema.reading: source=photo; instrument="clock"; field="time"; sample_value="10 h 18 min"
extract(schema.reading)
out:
3 h 12 min
